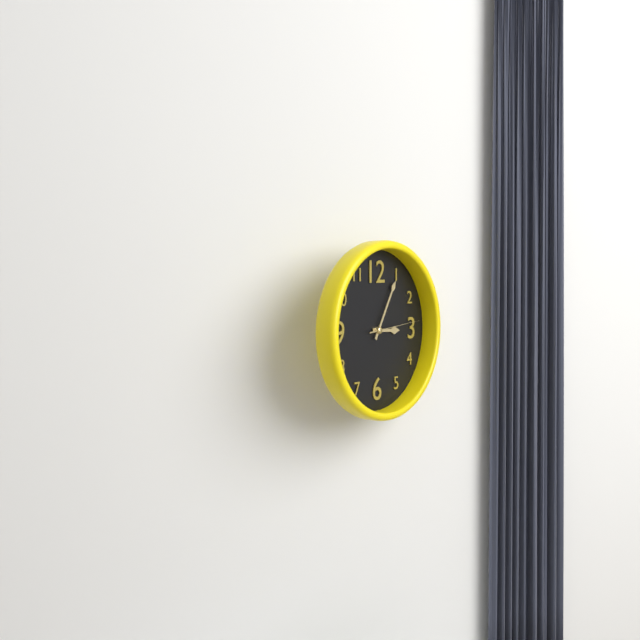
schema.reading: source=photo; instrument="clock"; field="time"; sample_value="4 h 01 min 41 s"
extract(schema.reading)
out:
3 h 05 min 14 s
